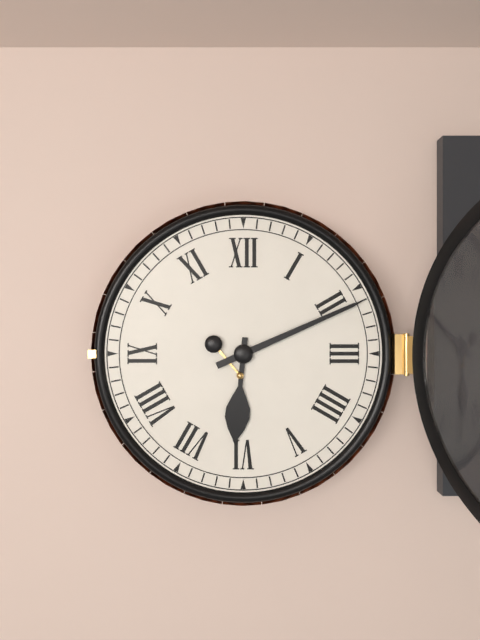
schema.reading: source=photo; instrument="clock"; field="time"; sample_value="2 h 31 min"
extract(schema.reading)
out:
6 h 11 min
